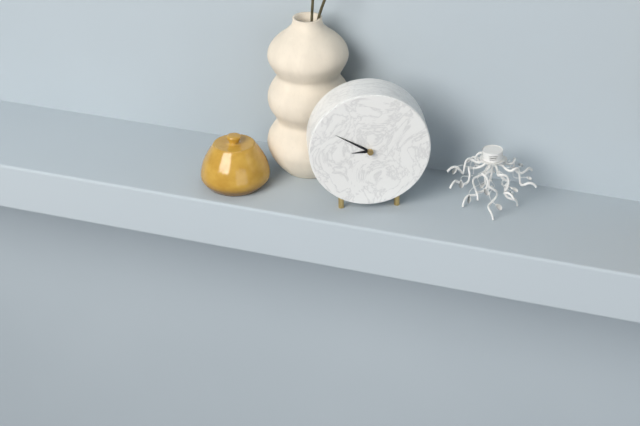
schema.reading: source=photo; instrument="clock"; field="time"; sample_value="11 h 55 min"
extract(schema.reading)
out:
8 h 50 min
